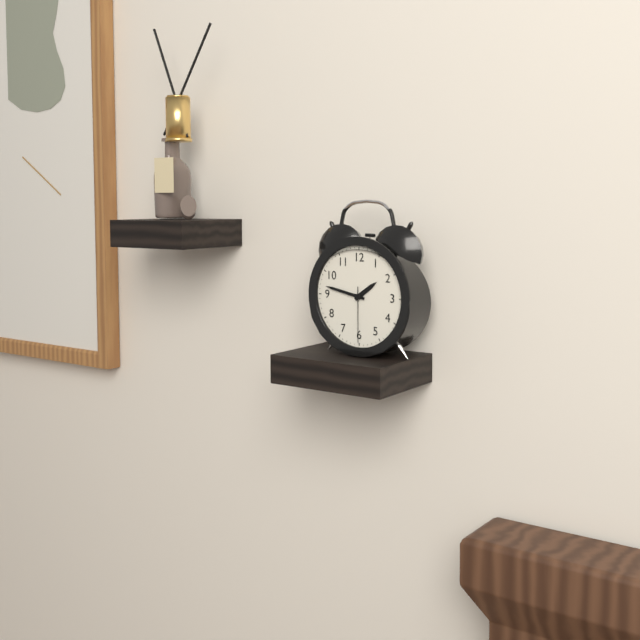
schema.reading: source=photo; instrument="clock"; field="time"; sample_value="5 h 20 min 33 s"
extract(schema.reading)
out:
1 h 47 min 30 s
